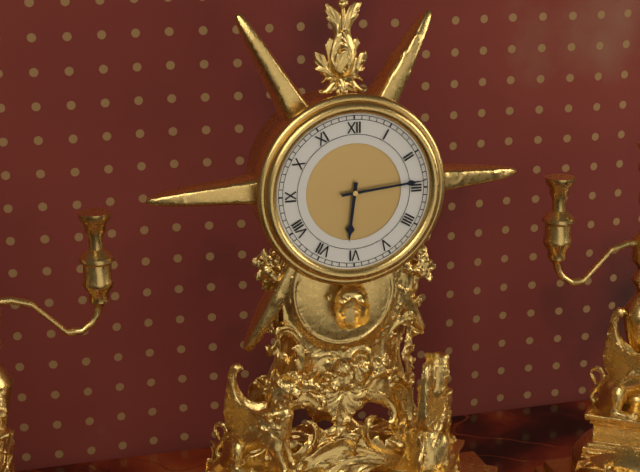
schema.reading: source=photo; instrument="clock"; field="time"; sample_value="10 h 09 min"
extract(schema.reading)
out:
6 h 14 min
